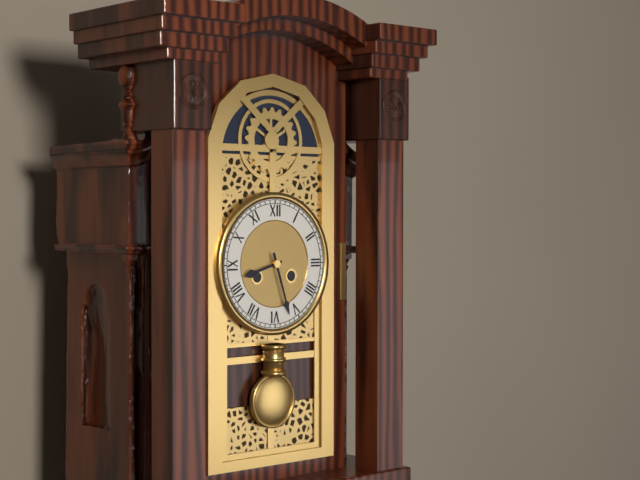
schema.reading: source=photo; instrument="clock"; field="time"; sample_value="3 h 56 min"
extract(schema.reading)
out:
8 h 27 min
